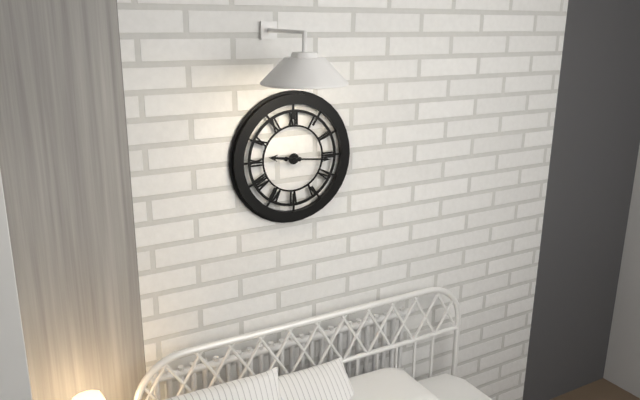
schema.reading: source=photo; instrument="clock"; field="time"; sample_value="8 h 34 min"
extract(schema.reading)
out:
9 h 16 min
